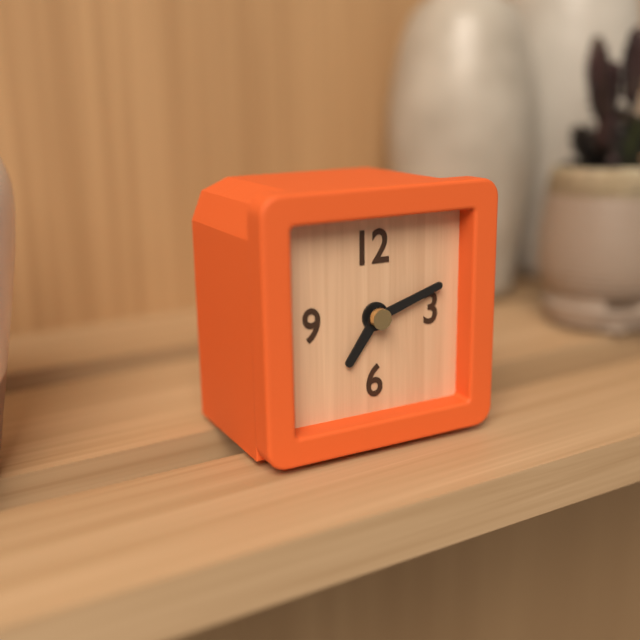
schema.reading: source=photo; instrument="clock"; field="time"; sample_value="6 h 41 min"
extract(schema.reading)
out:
7 h 12 min
